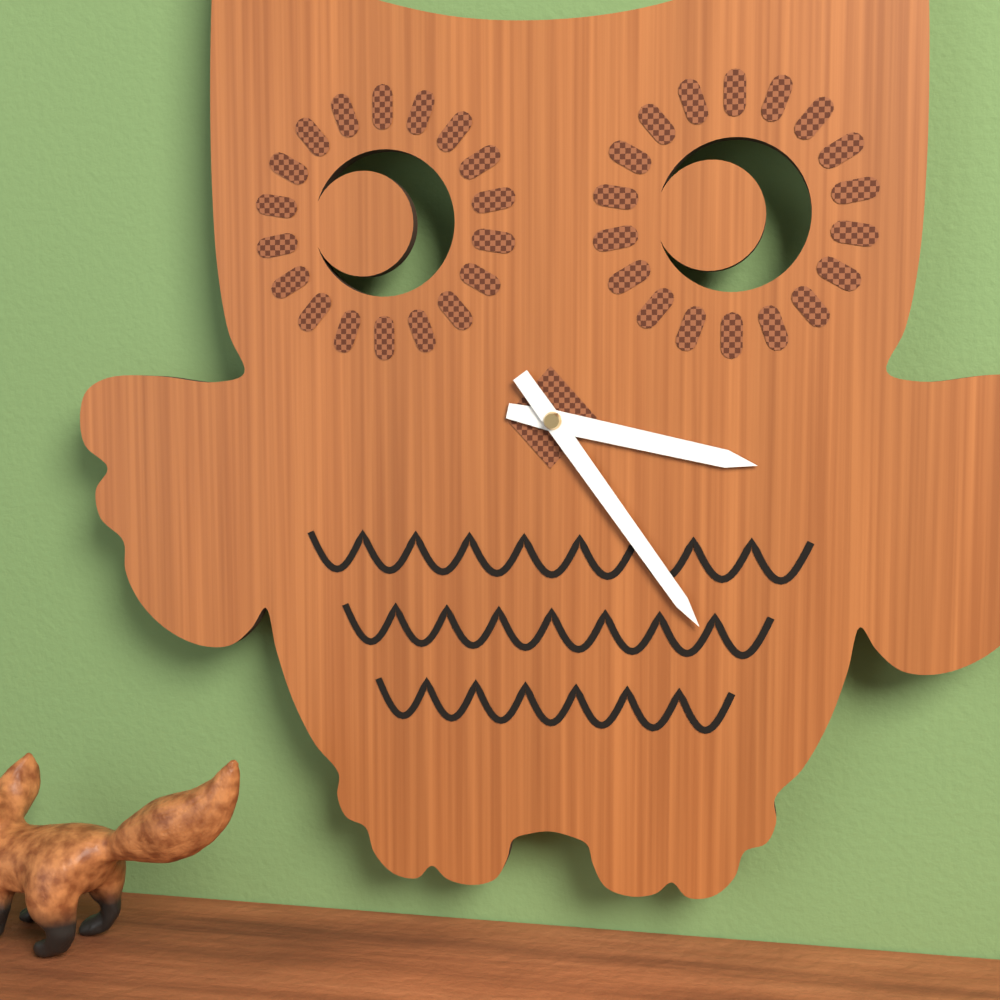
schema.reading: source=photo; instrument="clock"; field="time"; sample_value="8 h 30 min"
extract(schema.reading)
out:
3 h 24 min
